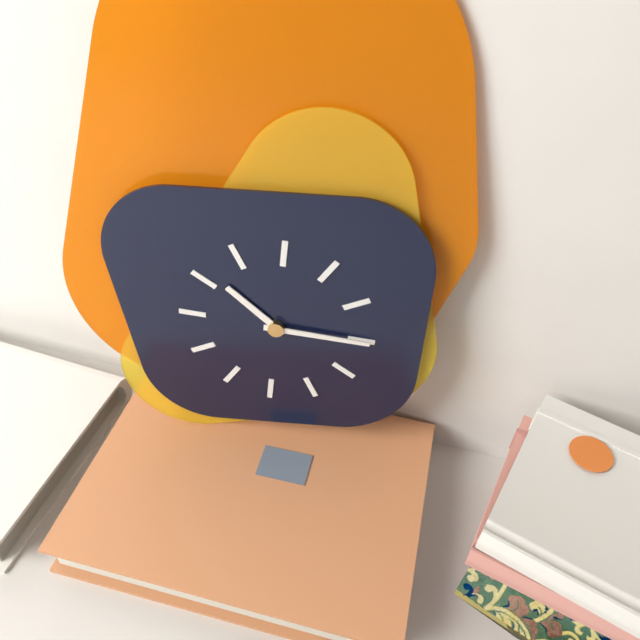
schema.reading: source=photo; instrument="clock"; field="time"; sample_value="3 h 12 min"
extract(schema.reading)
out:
10 h 15 min
